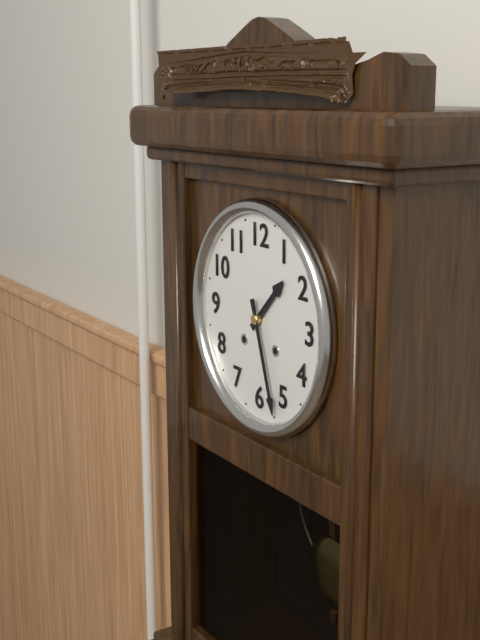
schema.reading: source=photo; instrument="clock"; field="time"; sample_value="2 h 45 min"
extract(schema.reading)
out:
1 h 27 min
